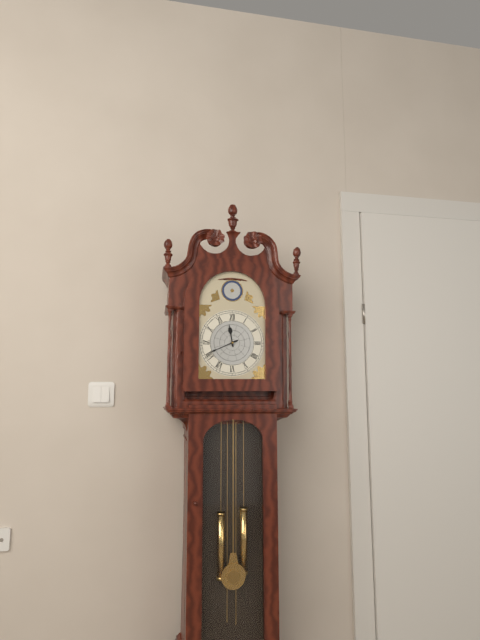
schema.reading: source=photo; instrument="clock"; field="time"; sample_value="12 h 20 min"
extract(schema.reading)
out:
11 h 41 min
